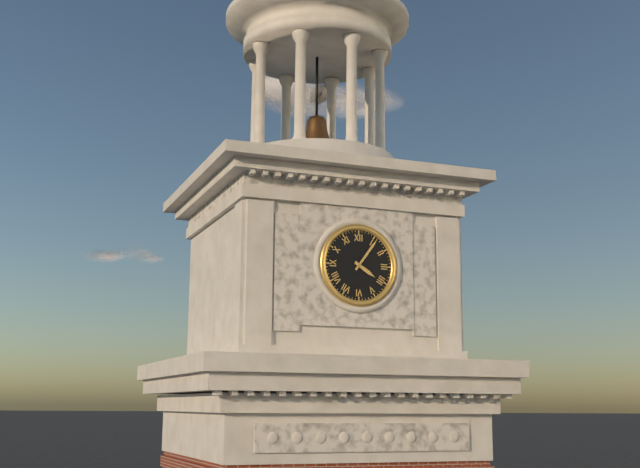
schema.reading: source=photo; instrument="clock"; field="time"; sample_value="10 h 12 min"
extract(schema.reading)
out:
4 h 06 min
